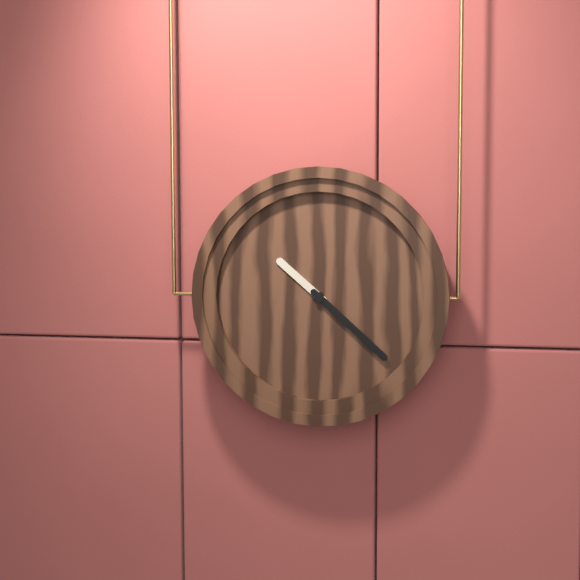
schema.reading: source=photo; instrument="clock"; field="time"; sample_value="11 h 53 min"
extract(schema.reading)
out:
10 h 22 min
